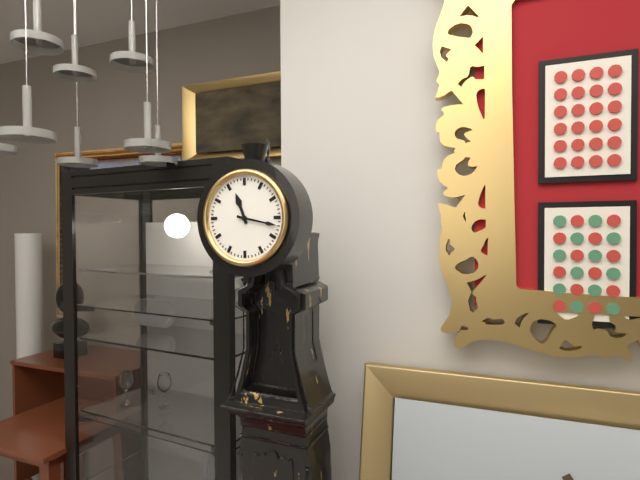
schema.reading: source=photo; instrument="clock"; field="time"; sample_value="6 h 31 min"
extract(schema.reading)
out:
11 h 17 min
